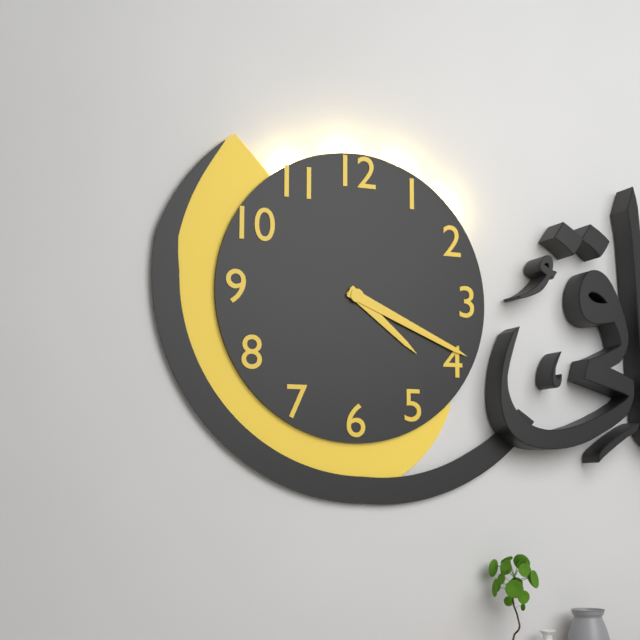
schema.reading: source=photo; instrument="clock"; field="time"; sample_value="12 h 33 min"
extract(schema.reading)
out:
4 h 19 min
